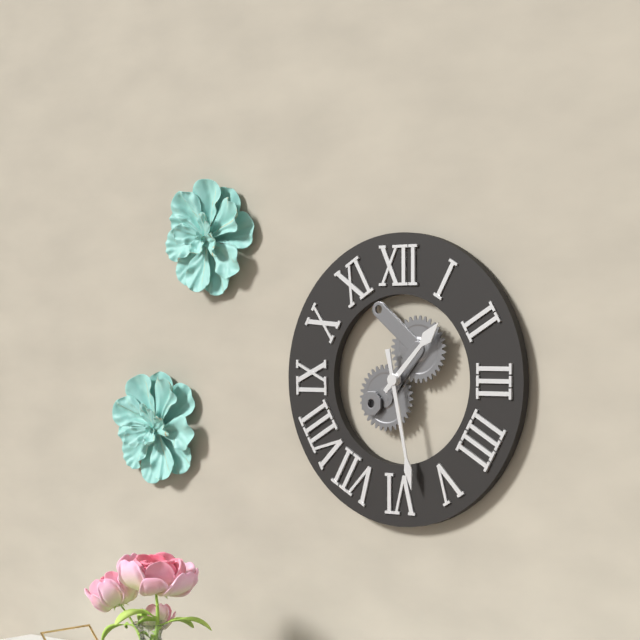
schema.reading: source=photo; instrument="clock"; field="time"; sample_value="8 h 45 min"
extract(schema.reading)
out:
1 h 28 min
